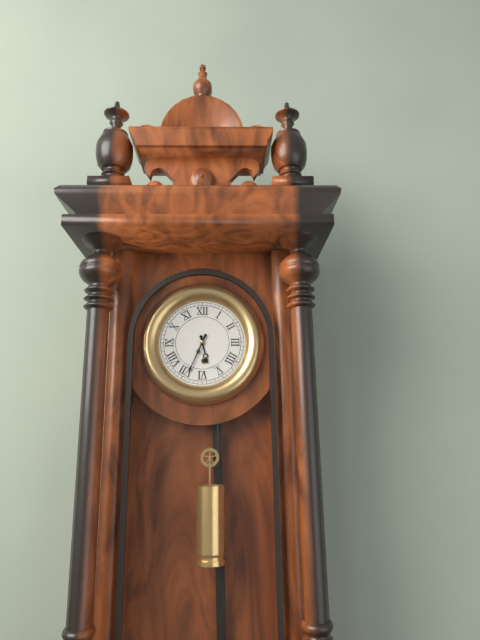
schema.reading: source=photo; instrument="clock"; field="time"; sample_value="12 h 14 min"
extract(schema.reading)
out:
5 h 34 min
